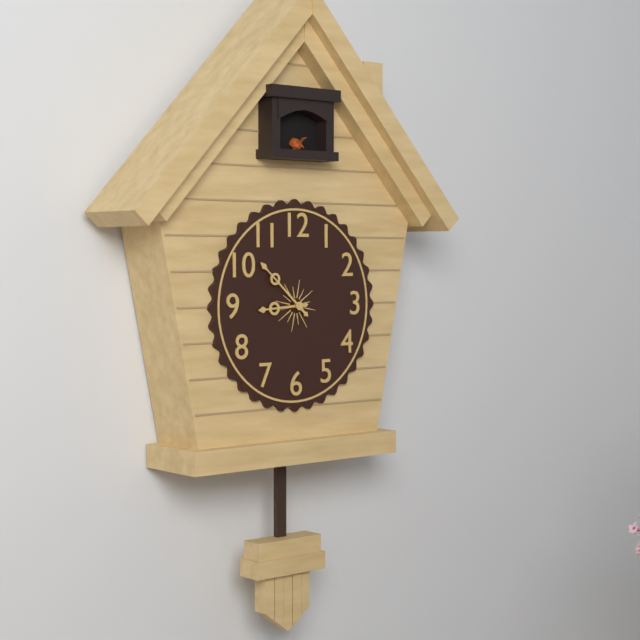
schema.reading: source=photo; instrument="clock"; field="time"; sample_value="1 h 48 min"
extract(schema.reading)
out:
8 h 52 min
